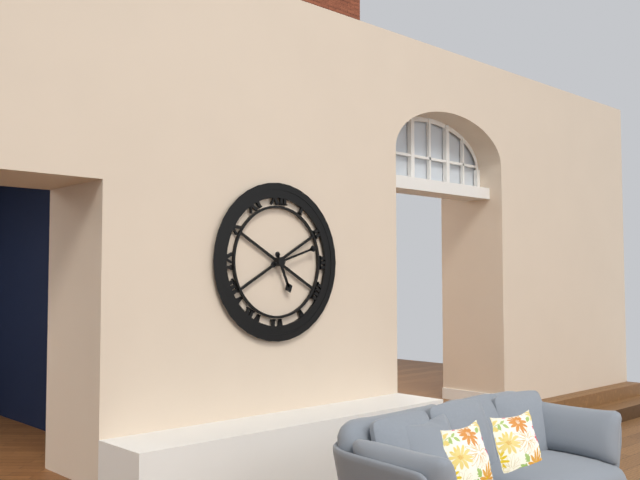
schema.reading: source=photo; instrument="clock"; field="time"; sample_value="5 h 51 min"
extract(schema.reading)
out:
5 h 12 min
